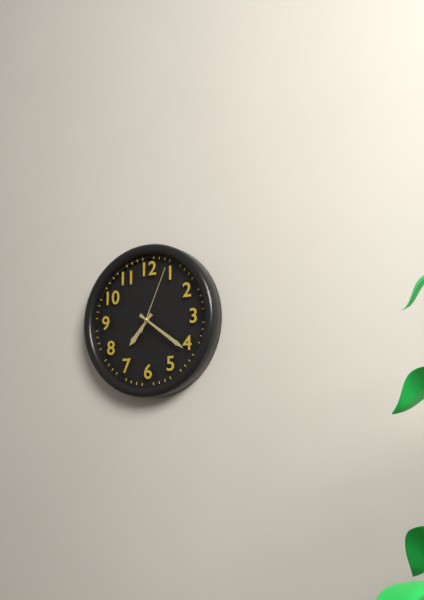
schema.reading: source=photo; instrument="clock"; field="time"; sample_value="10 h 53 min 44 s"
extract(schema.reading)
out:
7 h 21 min 04 s
